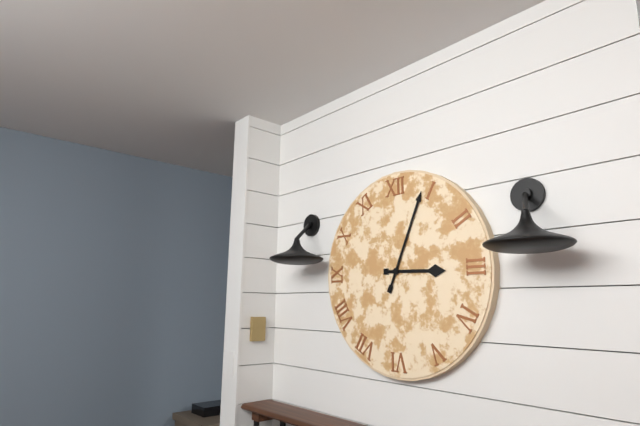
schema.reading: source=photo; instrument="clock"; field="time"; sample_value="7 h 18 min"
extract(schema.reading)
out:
3 h 04 min
